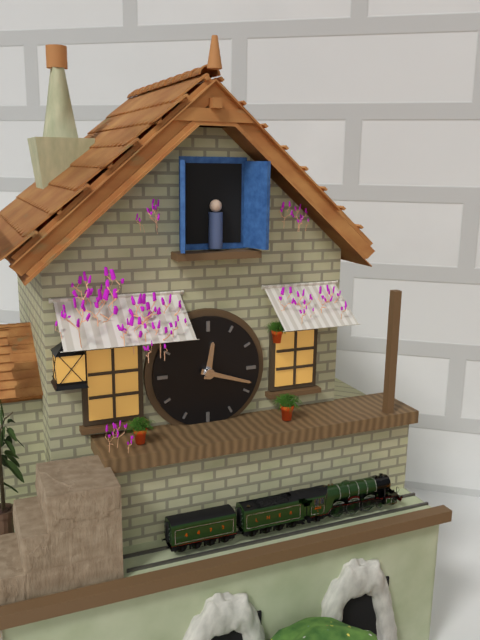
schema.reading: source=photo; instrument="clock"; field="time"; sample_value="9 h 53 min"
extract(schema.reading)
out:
12 h 18 min
